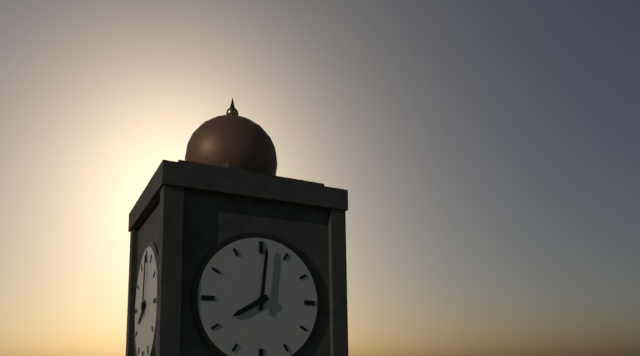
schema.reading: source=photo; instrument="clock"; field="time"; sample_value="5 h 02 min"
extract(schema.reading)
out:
8 h 01 min
